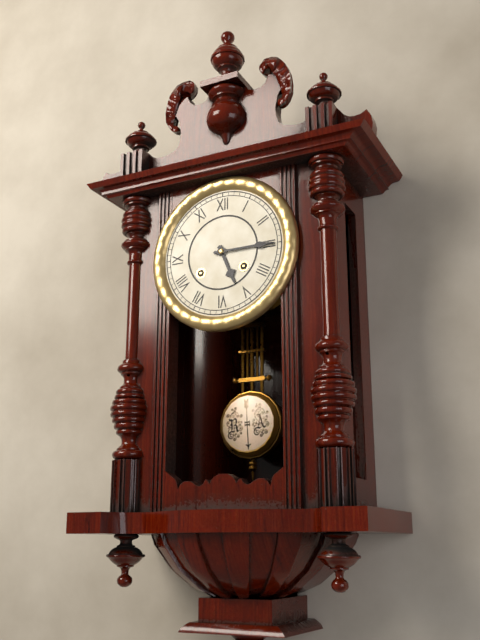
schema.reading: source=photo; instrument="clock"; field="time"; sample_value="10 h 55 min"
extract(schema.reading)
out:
5 h 15 min
